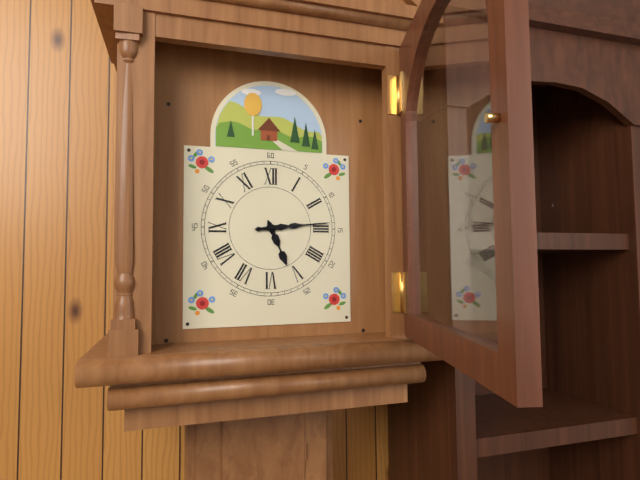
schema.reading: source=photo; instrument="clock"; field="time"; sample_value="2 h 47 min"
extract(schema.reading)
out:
5 h 14 min
